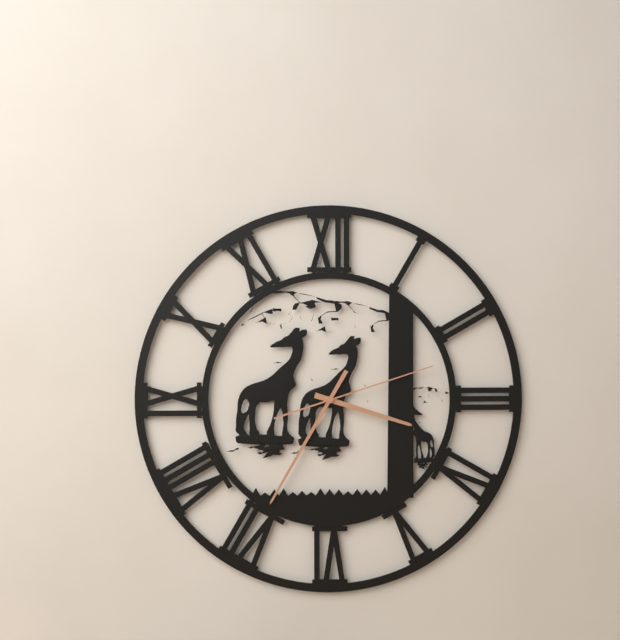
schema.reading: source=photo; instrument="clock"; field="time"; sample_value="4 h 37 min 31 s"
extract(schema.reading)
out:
3 h 35 min 12 s
